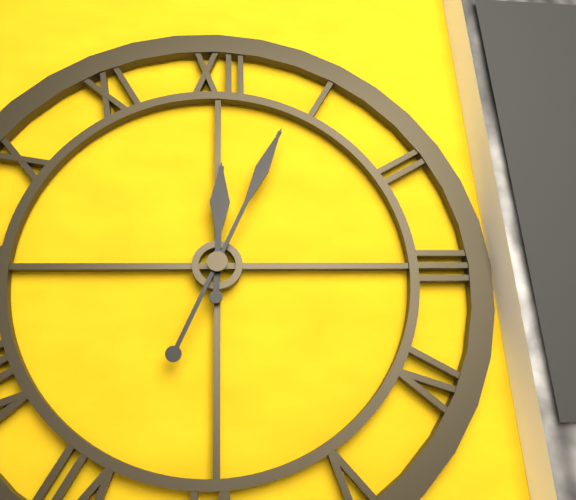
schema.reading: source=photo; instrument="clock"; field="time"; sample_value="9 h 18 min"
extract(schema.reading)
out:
12 h 04 min
